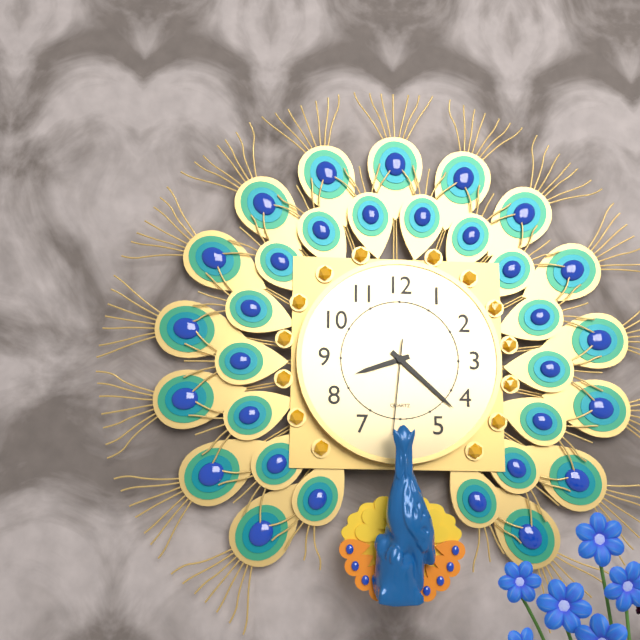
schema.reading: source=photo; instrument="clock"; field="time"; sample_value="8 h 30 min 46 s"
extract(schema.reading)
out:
8 h 22 min 31 s
